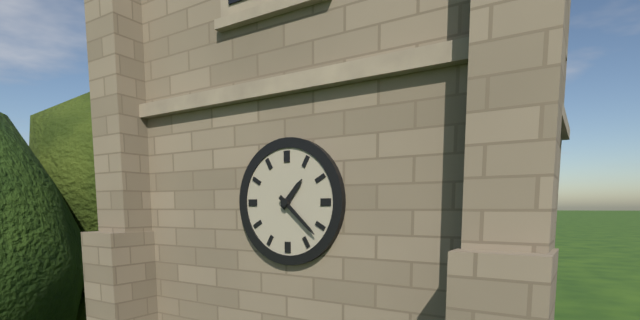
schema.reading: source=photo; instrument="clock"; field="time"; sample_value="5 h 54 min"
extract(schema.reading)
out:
1 h 22 min
